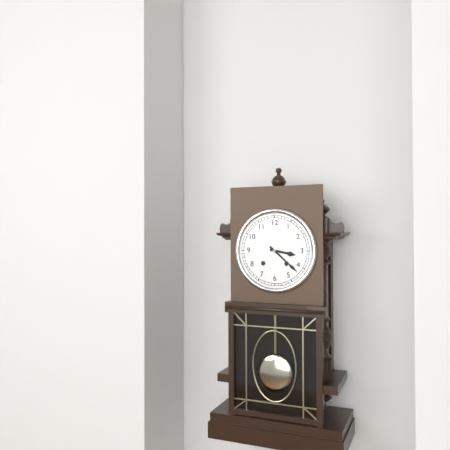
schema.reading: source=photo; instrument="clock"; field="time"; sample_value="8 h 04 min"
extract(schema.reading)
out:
3 h 22 min
